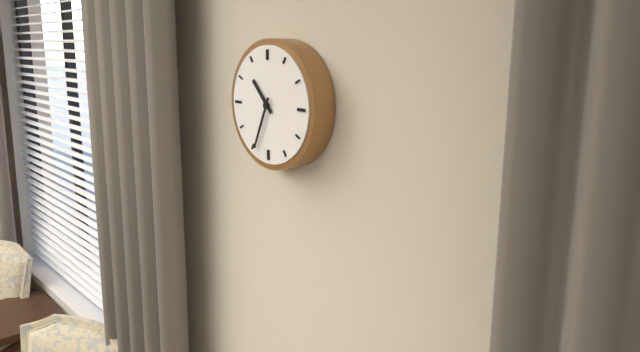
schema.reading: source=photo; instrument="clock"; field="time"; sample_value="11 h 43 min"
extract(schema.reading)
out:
10 h 34 min
